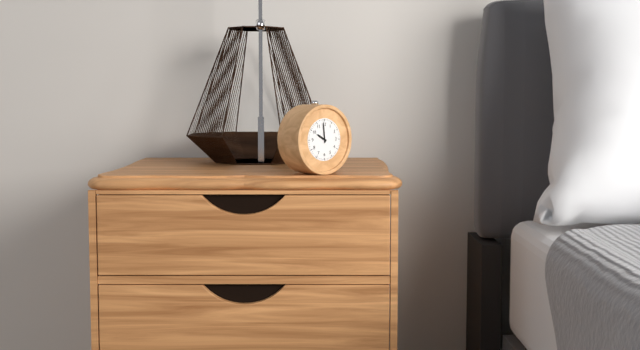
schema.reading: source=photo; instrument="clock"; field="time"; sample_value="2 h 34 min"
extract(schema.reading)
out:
9 h 59 min
